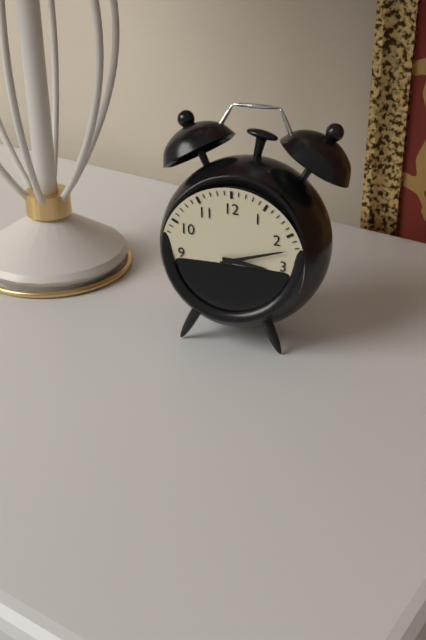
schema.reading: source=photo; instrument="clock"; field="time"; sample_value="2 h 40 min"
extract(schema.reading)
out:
3 h 12 min
